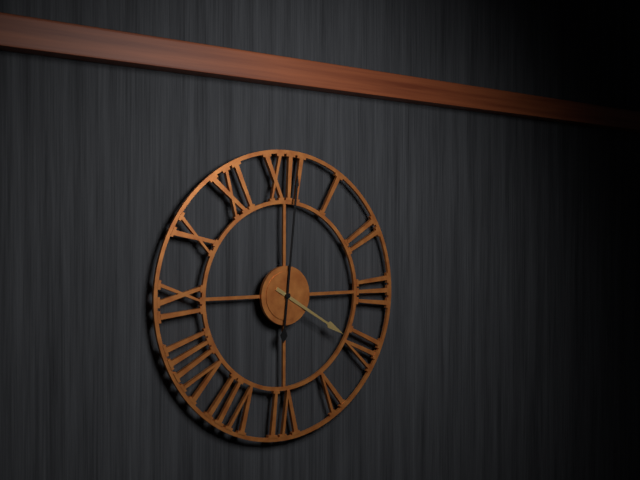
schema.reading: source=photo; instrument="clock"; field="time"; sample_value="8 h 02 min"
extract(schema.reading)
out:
4 h 01 min
